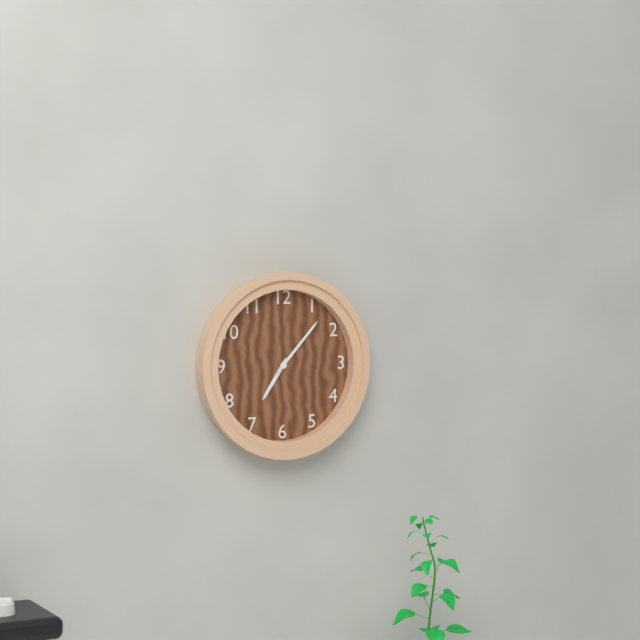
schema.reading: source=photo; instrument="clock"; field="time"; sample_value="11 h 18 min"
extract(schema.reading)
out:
7 h 07 min
